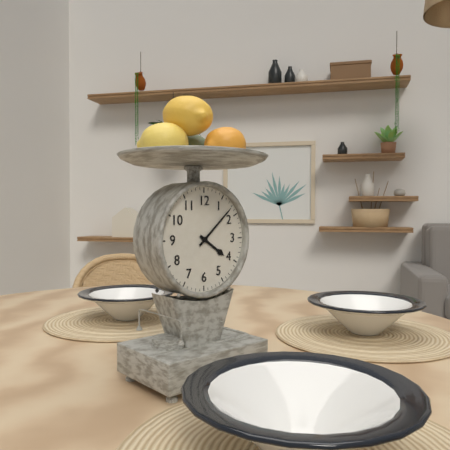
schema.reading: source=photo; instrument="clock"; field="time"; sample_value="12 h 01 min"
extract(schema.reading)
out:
4 h 08 min
